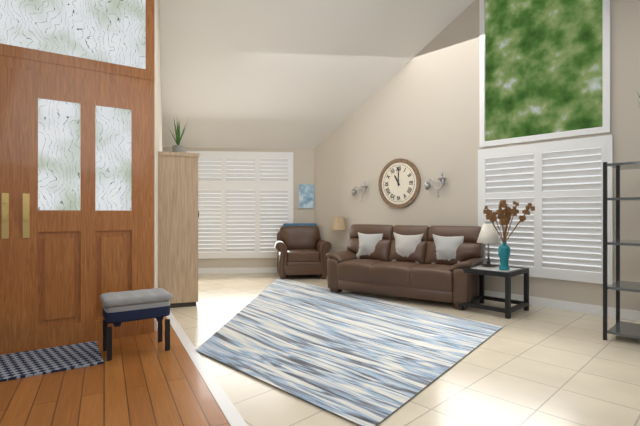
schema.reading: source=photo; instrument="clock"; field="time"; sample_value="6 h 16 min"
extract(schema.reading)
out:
11 h 00 min
